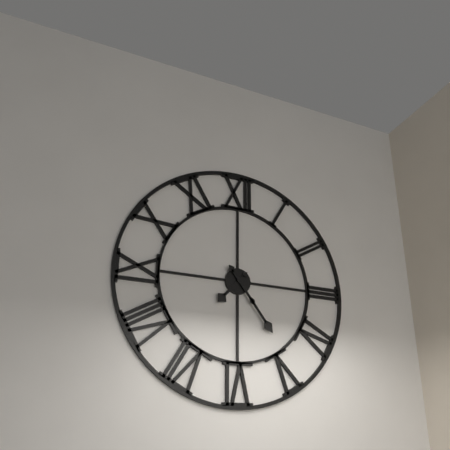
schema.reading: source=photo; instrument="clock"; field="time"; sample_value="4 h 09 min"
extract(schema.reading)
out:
7 h 24 min
